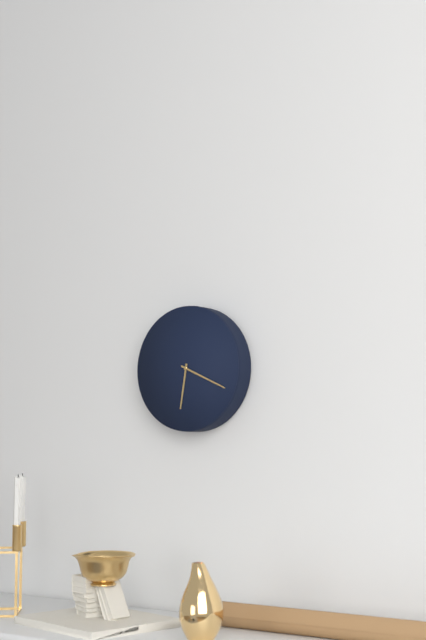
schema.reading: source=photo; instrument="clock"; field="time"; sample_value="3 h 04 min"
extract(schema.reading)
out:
6 h 19 min
